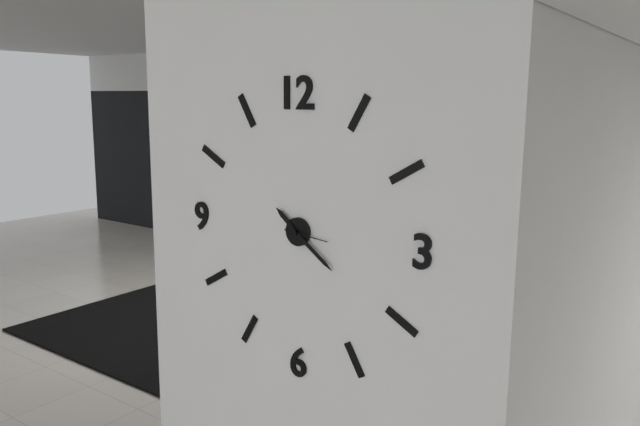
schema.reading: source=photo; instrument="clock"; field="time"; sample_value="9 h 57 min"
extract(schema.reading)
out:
10 h 21 min
